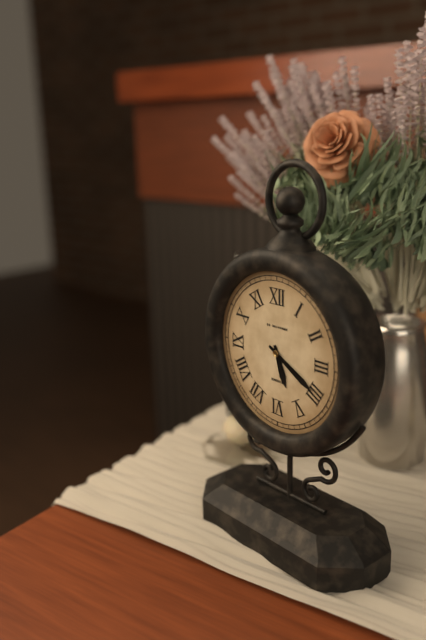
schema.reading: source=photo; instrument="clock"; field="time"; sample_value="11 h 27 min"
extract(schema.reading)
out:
5 h 20 min
